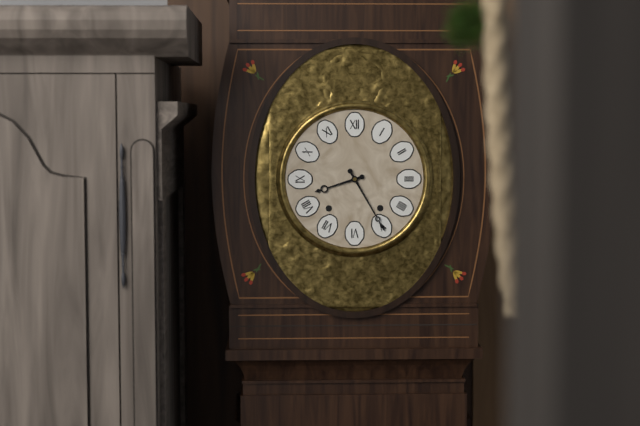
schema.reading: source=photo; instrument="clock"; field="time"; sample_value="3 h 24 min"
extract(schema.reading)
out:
8 h 25 min
